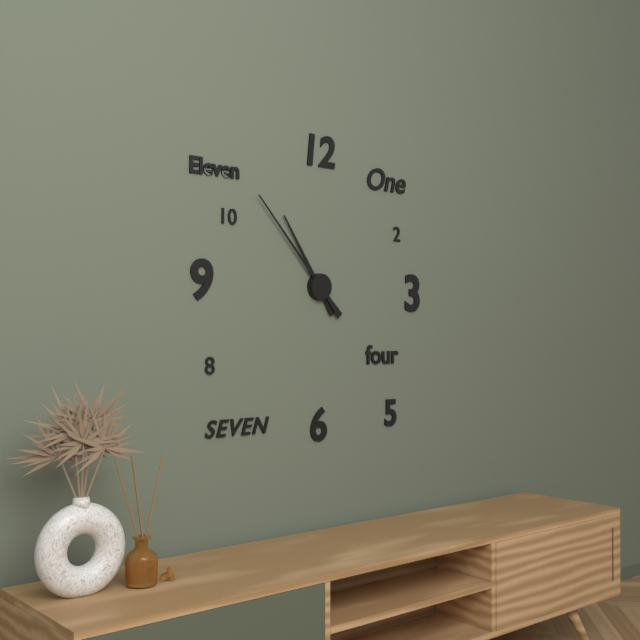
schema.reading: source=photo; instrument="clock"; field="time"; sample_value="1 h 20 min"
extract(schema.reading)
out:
10 h 53 min
